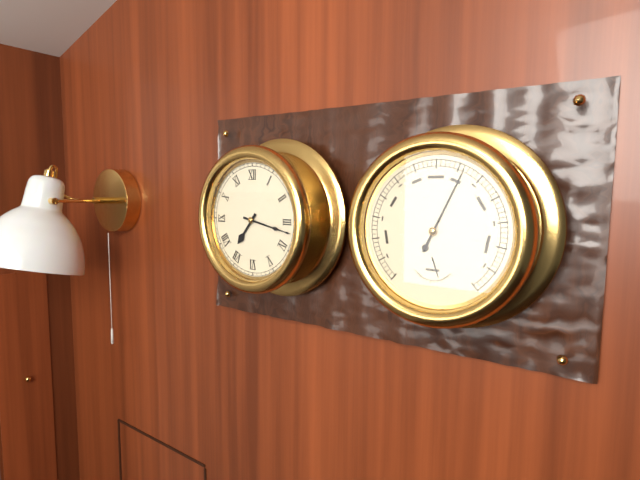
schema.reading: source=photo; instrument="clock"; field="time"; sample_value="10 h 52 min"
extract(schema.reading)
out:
7 h 17 min
